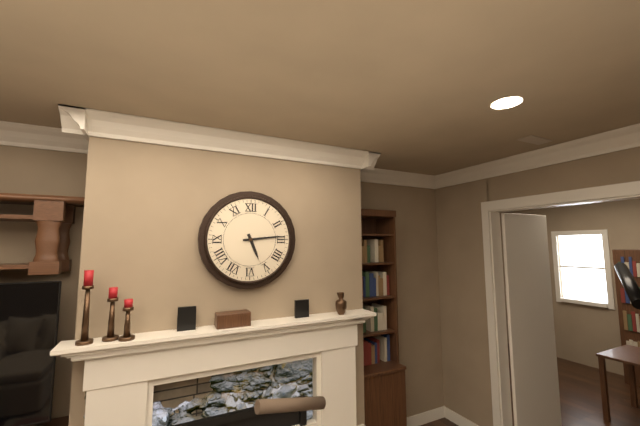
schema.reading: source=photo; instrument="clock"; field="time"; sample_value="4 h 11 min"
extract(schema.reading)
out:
5 h 14 min
